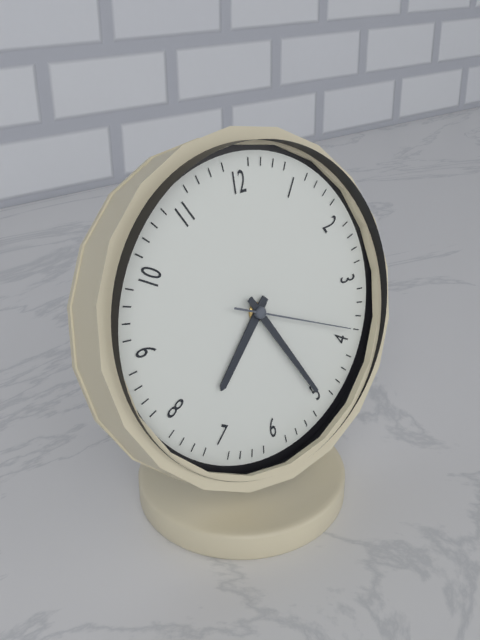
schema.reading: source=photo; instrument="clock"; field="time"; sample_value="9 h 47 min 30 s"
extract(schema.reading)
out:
7 h 25 min 19 s
